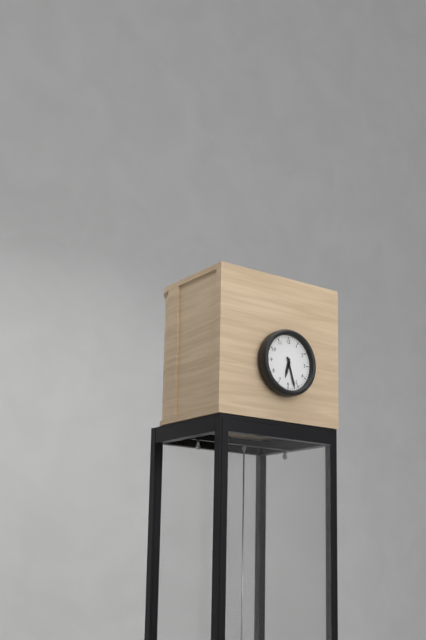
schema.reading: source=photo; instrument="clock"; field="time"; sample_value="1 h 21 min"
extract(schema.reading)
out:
6 h 27 min
